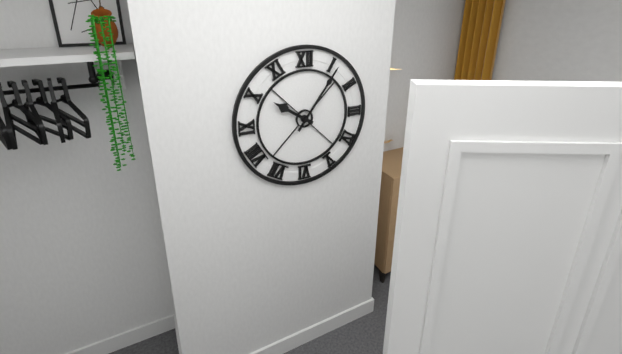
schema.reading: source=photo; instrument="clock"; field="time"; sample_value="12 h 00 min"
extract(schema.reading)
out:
10 h 06 min
